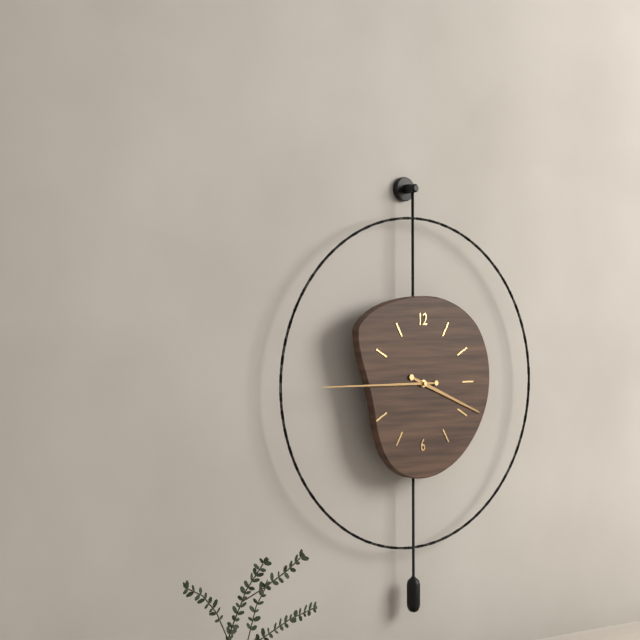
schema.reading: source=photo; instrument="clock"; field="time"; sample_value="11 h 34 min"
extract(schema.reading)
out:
3 h 45 min
